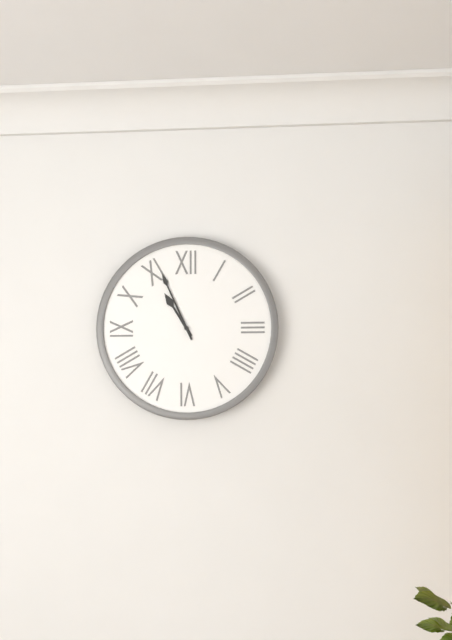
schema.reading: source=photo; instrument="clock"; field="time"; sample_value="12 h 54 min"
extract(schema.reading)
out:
10 h 56 min
